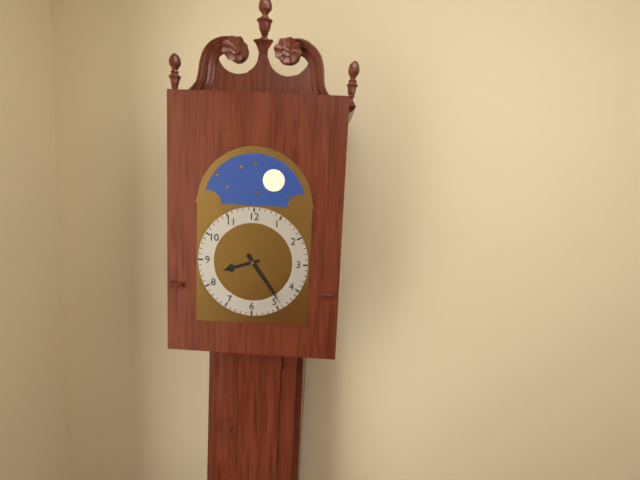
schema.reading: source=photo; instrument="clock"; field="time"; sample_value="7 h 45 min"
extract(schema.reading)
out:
8 h 24 min
